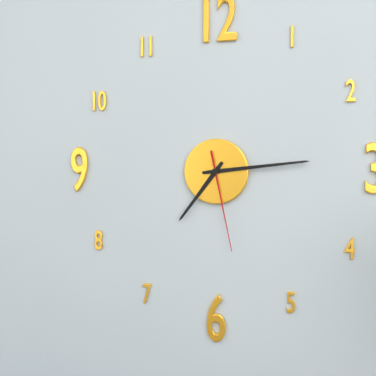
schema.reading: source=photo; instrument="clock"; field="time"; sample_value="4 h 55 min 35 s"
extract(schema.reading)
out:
7 h 14 min 28 s
